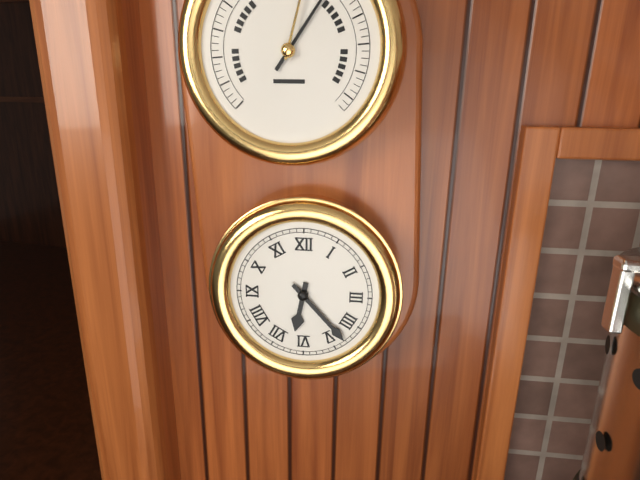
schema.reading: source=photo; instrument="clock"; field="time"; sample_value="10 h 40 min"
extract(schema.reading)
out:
6 h 23 min
